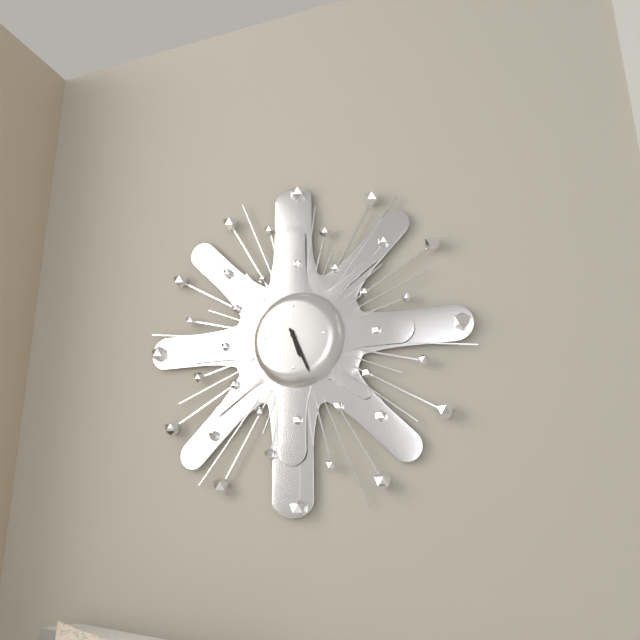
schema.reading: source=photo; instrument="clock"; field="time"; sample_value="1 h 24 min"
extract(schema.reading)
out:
5 h 26 min
